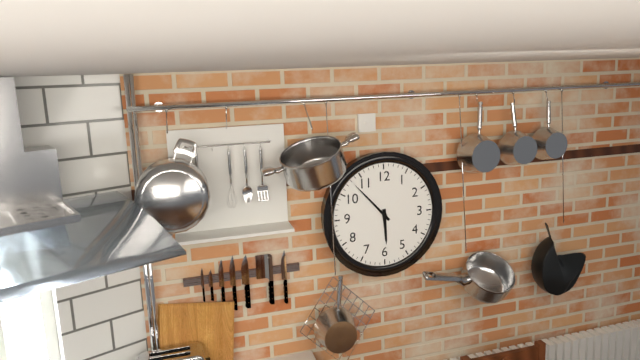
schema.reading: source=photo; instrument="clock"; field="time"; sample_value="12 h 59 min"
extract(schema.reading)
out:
5 h 53 min
